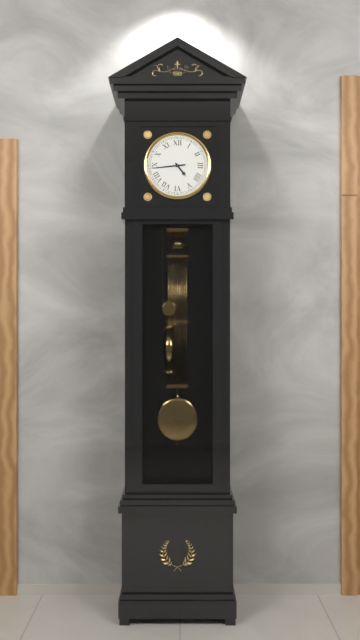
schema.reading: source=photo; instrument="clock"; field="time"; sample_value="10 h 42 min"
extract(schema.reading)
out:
4 h 44 min
